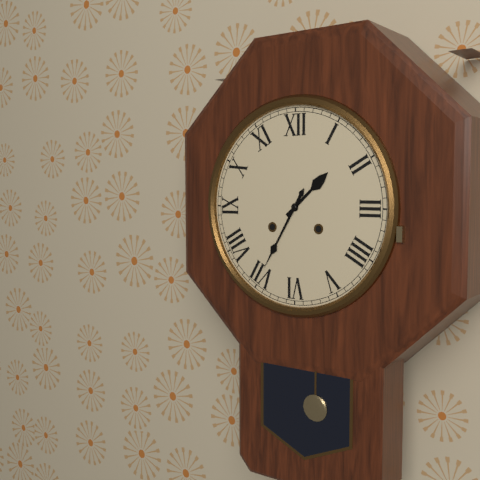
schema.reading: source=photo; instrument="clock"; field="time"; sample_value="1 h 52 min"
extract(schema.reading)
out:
1 h 35 min
